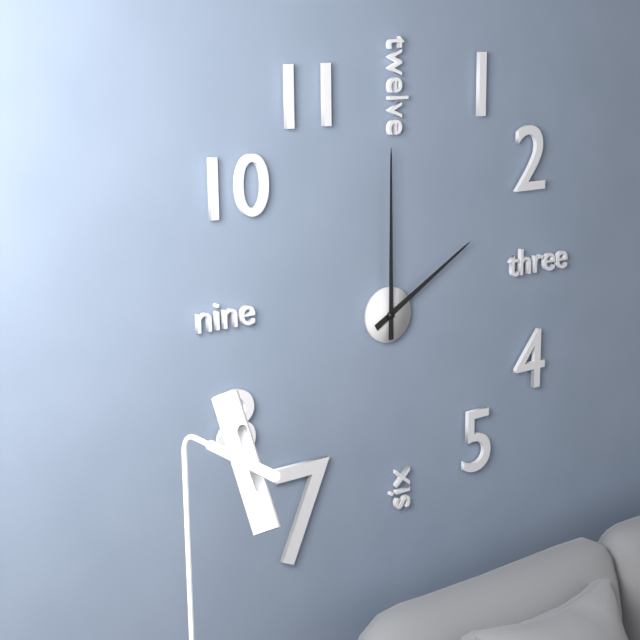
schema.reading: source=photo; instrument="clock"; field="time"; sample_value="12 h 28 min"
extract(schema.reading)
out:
2 h 00 min
